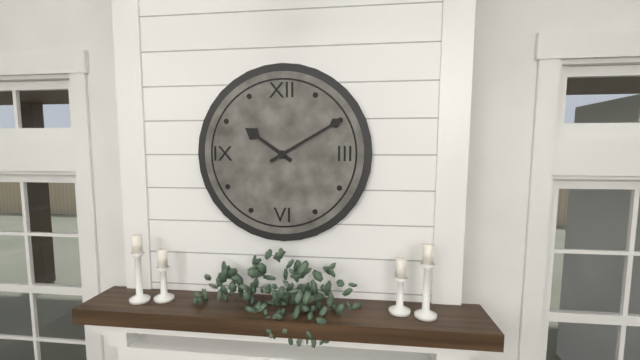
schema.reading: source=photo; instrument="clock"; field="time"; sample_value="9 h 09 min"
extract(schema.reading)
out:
10 h 10 min
